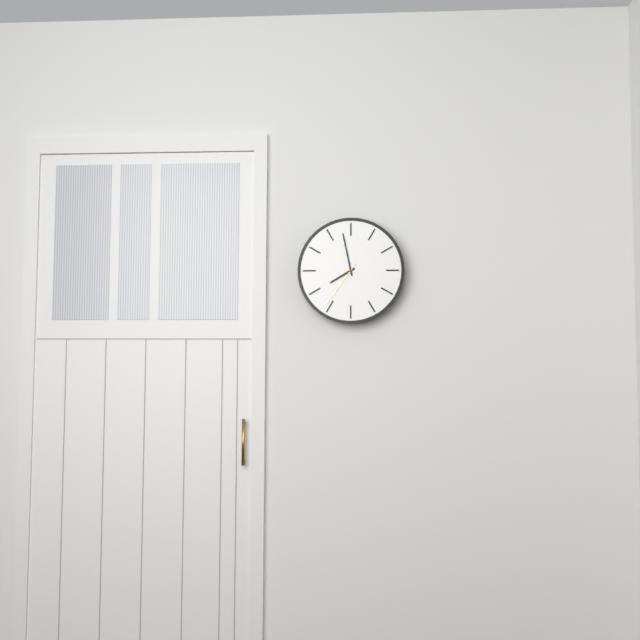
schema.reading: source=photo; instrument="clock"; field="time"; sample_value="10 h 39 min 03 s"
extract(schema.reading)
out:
7 h 58 min 36 s
